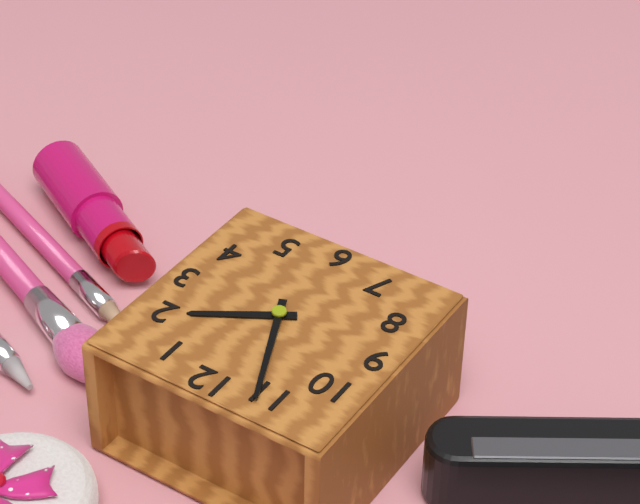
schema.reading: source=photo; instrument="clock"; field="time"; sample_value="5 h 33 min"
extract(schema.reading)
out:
1 h 56 min
